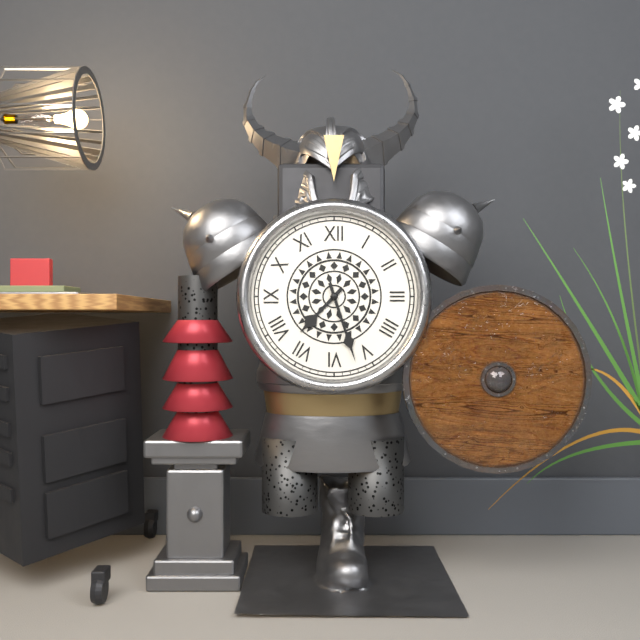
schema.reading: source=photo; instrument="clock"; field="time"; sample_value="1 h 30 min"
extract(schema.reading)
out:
7 h 27 min
